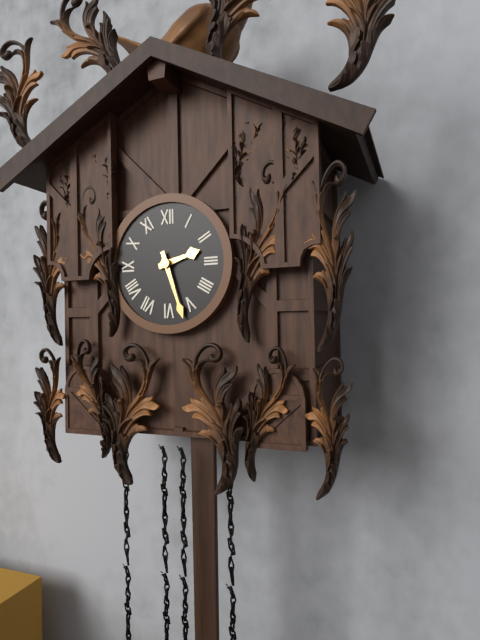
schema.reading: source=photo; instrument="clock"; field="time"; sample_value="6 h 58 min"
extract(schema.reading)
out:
2 h 27 min
